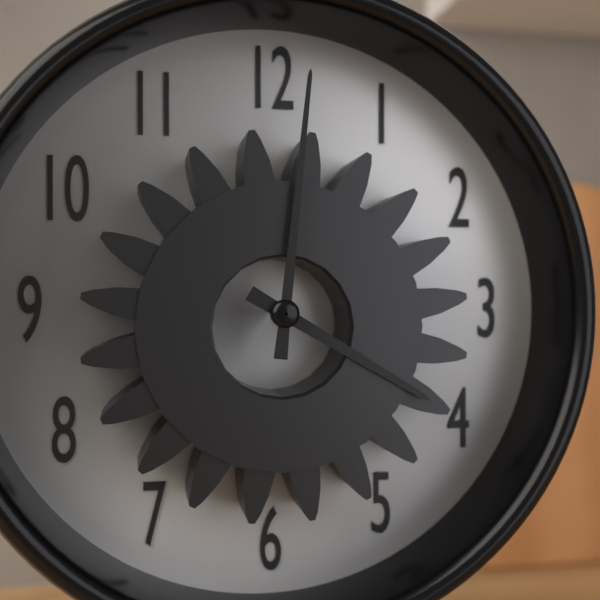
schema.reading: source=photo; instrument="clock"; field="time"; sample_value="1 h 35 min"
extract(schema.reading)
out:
4 h 01 min
